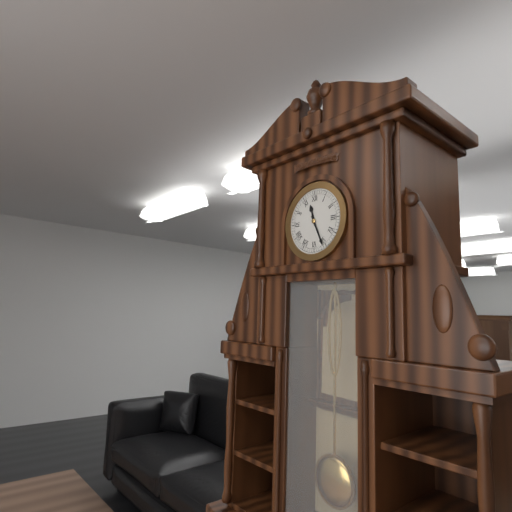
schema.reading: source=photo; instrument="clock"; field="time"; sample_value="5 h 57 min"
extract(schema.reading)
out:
11 h 26 min
